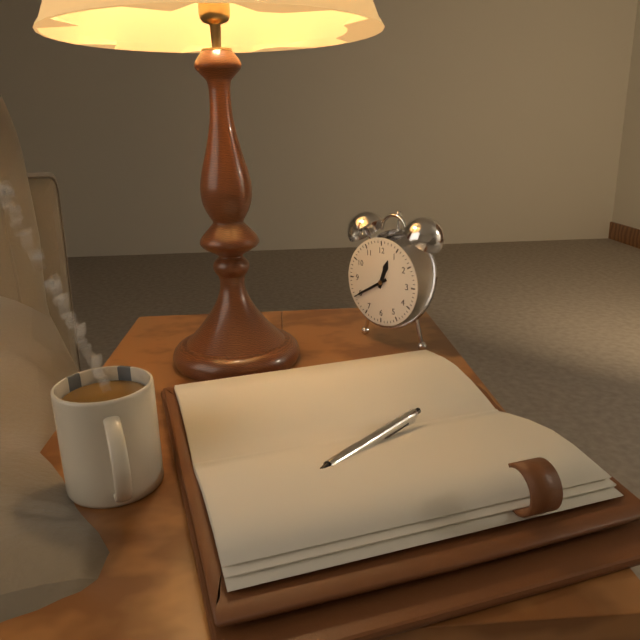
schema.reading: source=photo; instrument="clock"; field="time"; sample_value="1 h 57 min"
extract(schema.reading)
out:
12 h 40 min
